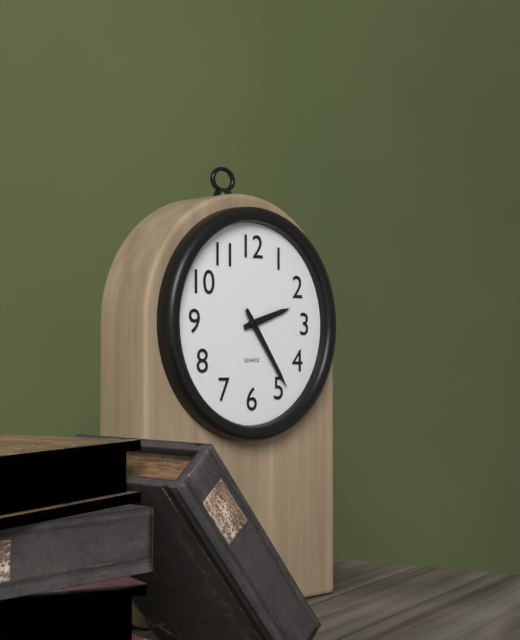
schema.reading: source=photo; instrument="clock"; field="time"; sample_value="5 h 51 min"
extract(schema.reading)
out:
2 h 24 min
